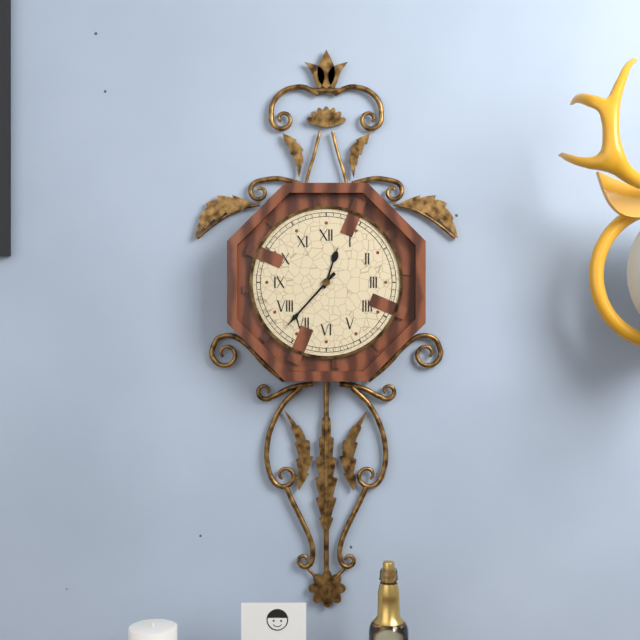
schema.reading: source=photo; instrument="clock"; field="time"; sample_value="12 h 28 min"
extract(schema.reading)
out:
12 h 37 min
